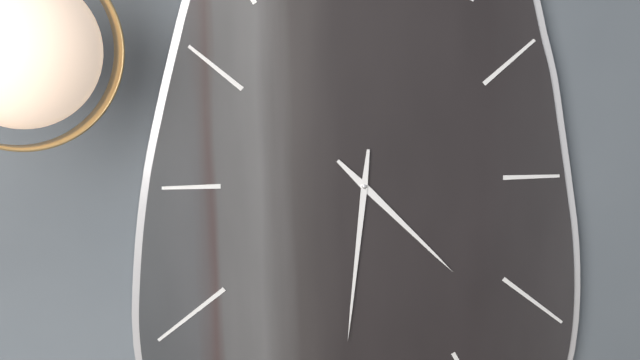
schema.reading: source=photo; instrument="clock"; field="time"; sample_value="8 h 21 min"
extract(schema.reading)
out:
4 h 31 min
